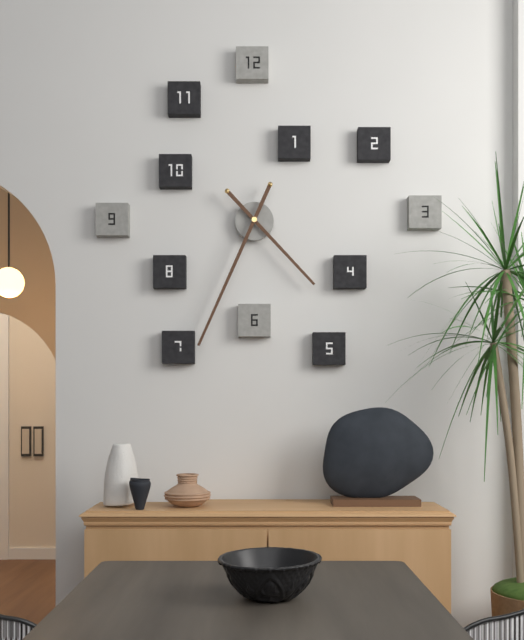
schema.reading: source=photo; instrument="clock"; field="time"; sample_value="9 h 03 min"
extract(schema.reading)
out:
4 h 34 min
